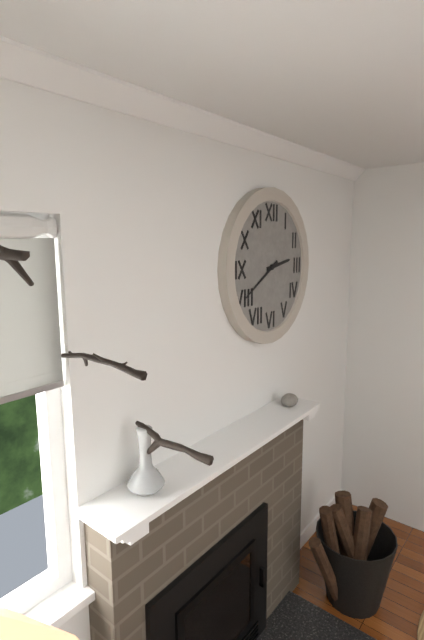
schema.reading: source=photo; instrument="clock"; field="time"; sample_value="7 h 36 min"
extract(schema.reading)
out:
2 h 40 min
